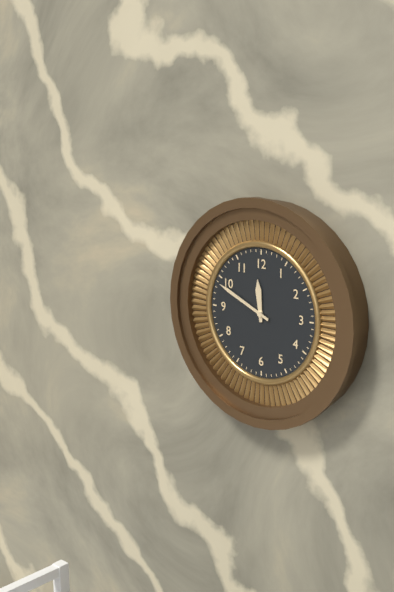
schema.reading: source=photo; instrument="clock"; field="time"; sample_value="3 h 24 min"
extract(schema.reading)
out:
11 h 49 min
